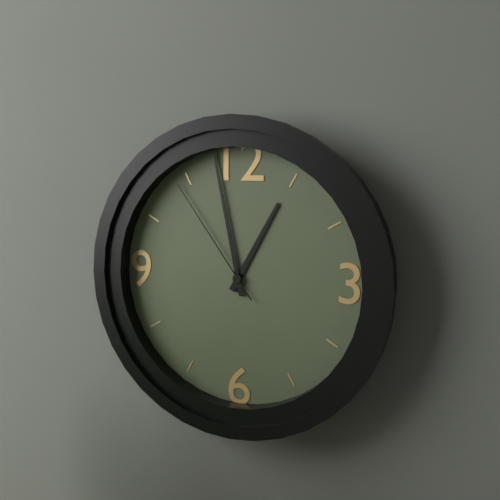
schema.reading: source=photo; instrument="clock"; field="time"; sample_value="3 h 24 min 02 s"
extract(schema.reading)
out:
12 h 58 min 54 s
